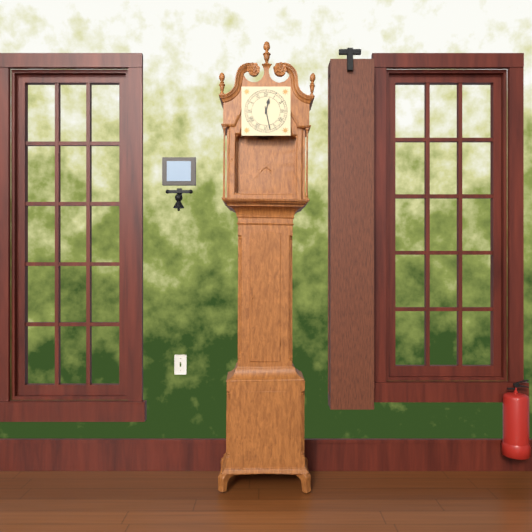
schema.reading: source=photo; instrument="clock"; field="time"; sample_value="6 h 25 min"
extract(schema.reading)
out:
12 h 28 min
